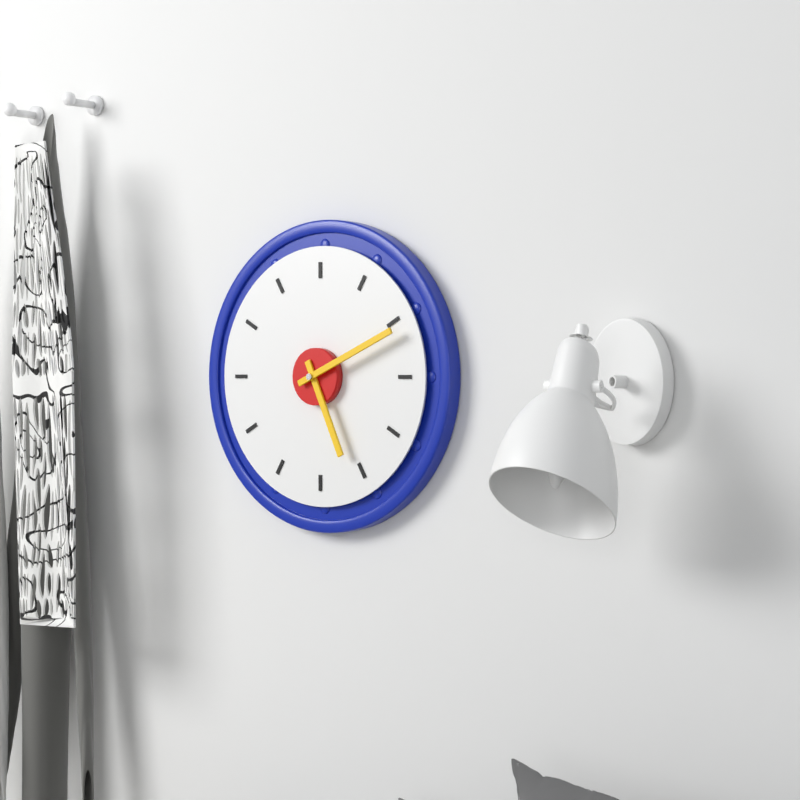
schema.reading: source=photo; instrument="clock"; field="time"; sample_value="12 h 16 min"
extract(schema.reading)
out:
5 h 11 min
